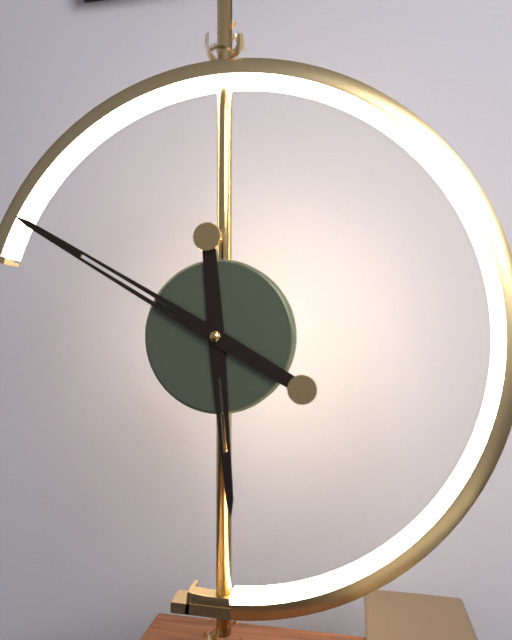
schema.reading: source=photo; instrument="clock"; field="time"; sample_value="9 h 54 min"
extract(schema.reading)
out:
5 h 50 min
